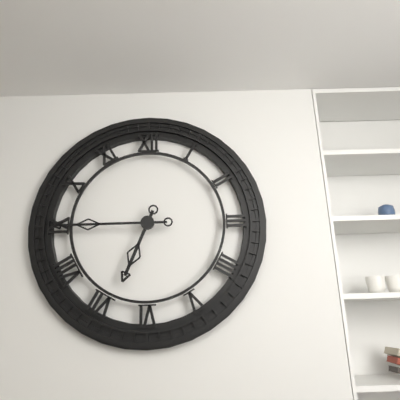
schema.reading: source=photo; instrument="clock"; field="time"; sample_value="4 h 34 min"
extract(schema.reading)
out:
6 h 45 min
